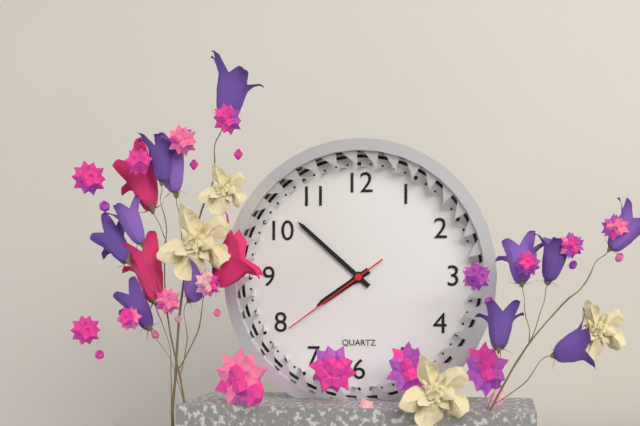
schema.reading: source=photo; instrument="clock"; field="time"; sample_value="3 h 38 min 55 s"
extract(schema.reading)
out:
7 h 52 min 39 s
